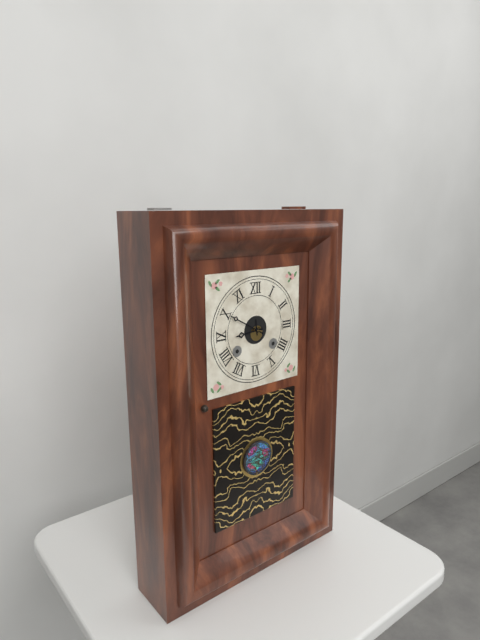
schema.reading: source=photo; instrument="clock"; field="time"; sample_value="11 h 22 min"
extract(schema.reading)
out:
8 h 50 min
